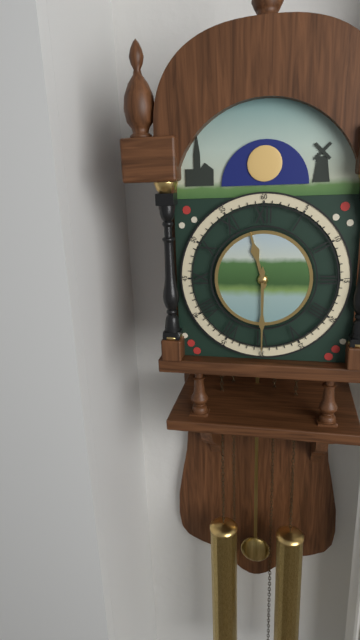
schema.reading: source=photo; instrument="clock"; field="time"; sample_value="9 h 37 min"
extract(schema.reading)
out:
11 h 30 min
